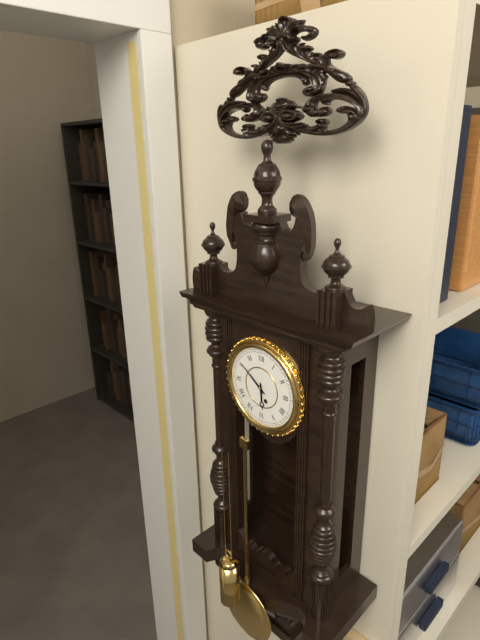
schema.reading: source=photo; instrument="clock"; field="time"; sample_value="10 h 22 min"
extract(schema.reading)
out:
5 h 51 min
